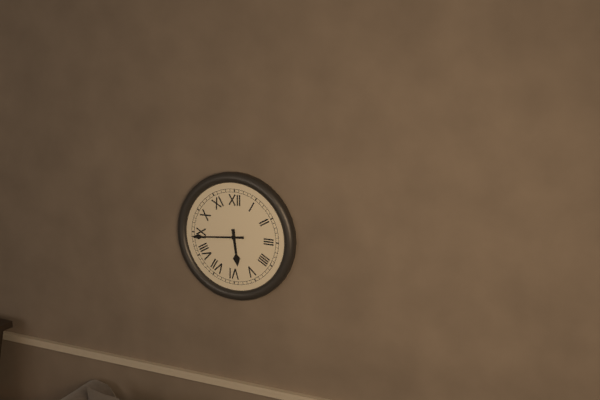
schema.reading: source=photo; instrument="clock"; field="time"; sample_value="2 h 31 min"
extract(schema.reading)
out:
5 h 44 min
